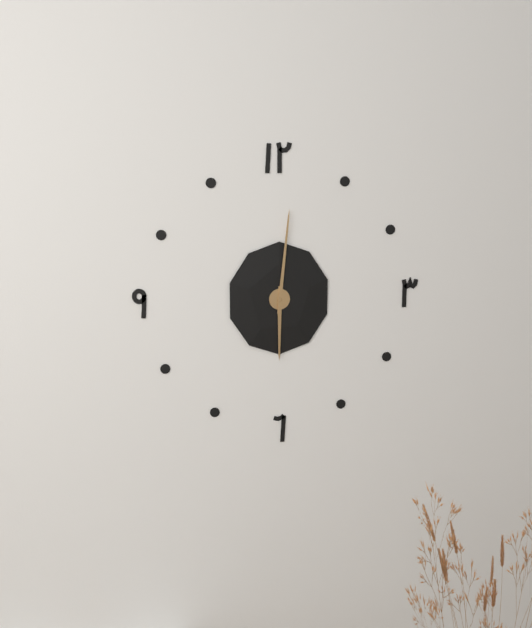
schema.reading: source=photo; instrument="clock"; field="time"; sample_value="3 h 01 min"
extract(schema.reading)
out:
6 h 01 min
